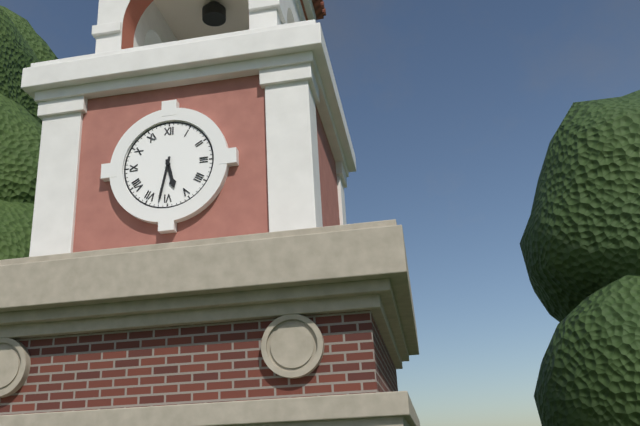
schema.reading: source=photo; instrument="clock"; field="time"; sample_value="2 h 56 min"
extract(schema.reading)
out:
5 h 32 min
